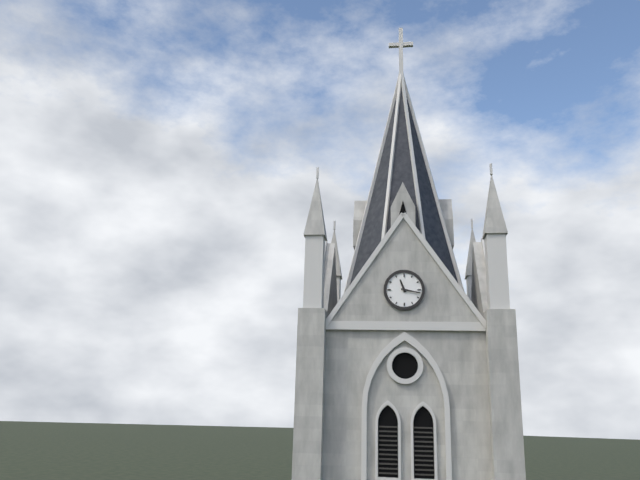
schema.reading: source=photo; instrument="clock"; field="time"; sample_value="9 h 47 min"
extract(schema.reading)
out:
11 h 17 min
